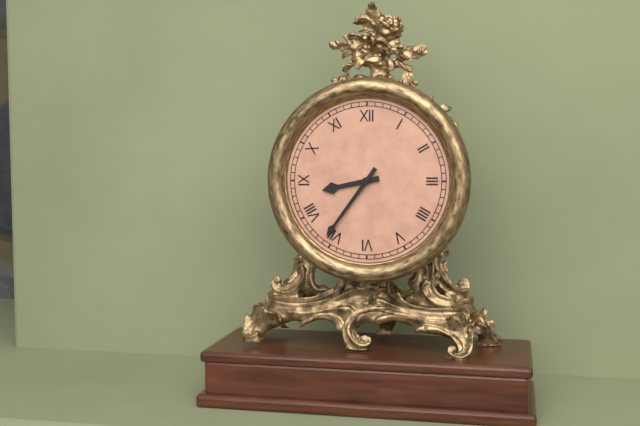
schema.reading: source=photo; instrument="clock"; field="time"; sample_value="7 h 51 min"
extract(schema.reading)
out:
8 h 36 min
